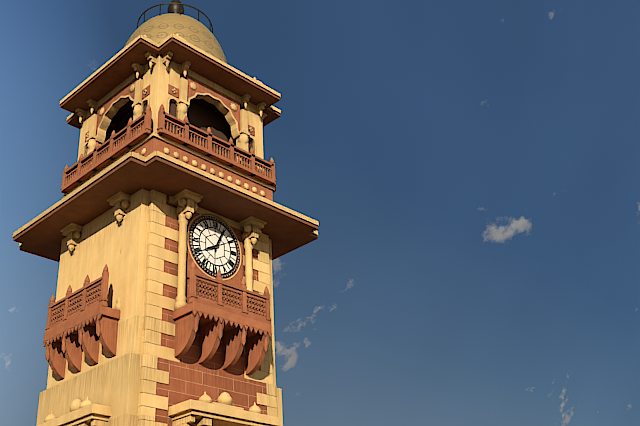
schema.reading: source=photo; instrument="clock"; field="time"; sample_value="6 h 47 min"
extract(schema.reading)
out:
8 h 04 min
